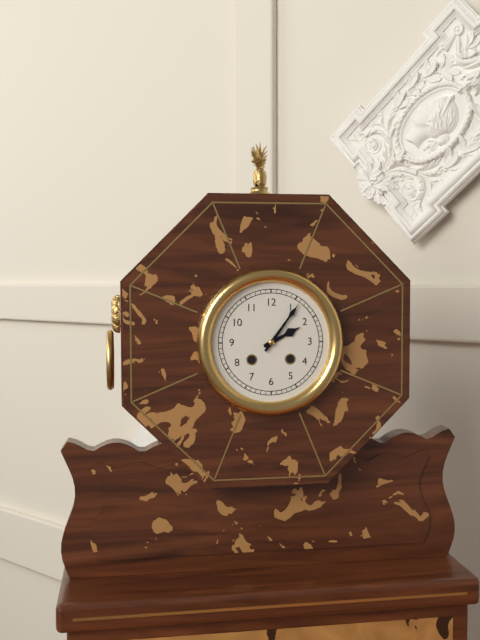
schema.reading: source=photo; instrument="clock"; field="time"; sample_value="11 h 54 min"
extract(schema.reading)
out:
2 h 06 min
